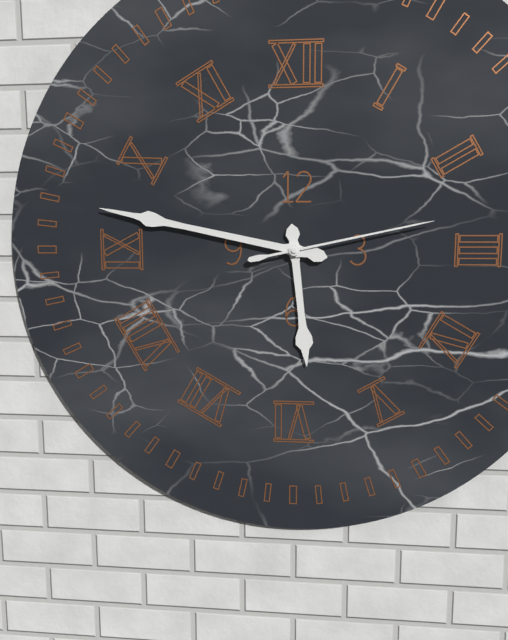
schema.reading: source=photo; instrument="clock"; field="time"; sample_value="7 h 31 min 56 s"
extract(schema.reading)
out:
5 h 47 min 13 s
